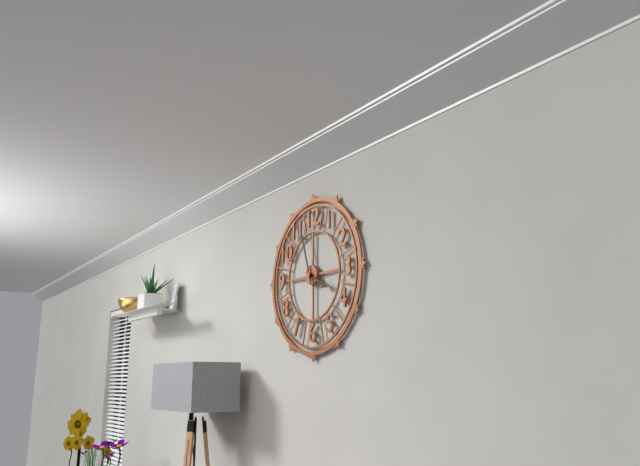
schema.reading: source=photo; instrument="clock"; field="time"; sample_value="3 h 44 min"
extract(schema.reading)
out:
3 h 57 min
